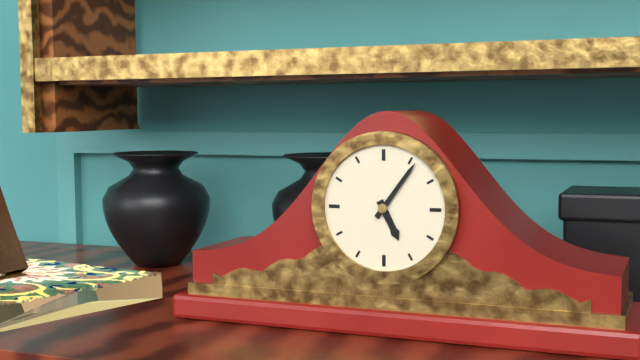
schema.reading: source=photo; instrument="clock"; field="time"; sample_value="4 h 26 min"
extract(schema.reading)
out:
5 h 06 min
